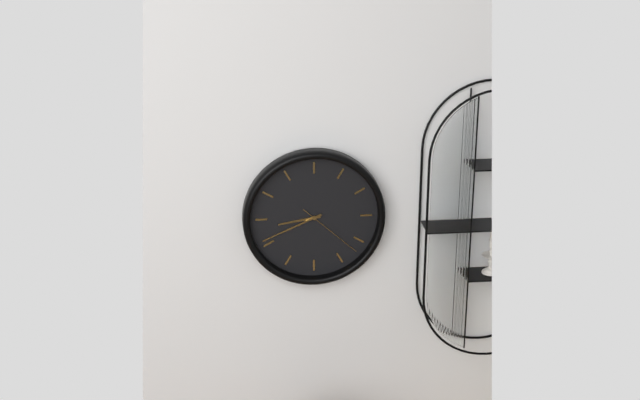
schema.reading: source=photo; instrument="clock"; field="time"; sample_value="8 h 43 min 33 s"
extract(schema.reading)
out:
8 h 41 min 22 s
